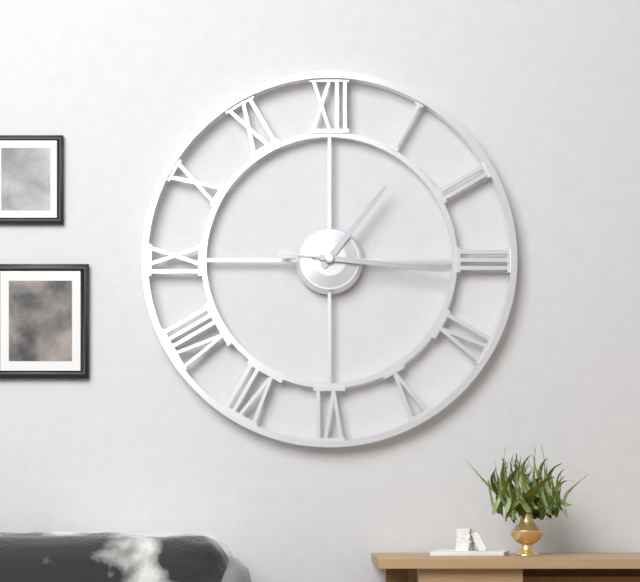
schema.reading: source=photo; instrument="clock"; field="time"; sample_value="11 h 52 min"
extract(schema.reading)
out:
1 h 16 min
